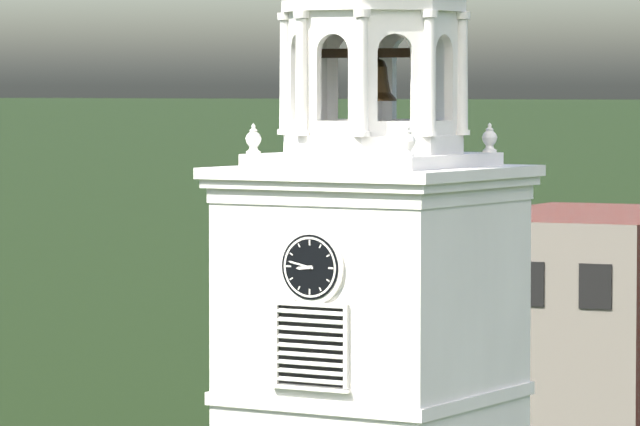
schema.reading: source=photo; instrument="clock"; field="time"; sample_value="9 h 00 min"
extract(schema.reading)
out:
8 h 47 min
